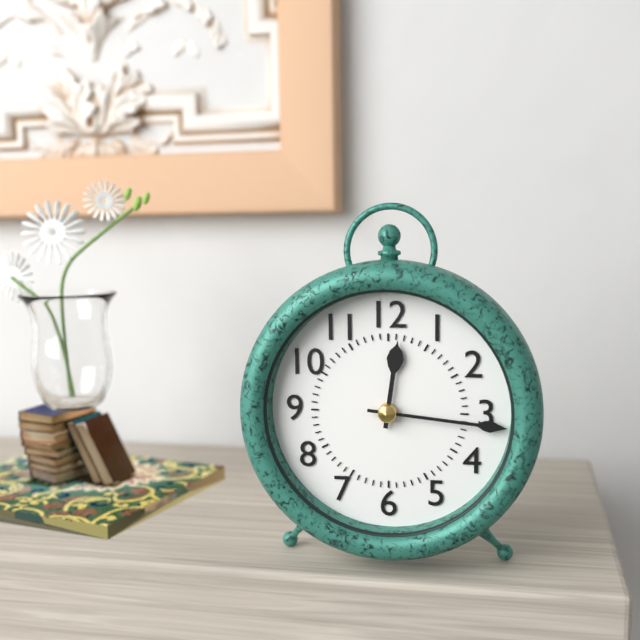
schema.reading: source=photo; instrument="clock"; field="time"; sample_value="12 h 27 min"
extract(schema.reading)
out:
12 h 16 min
